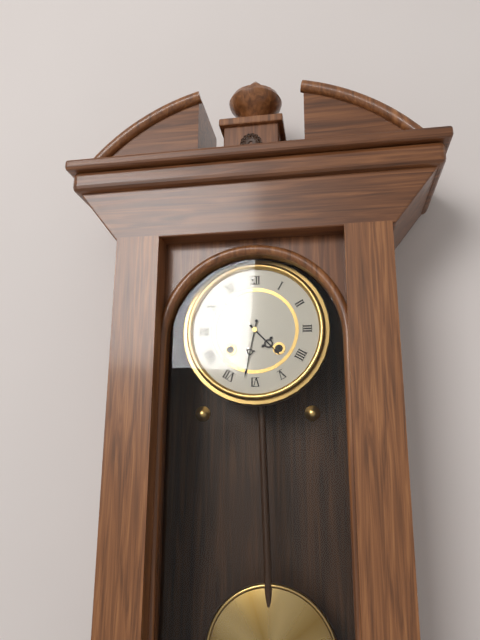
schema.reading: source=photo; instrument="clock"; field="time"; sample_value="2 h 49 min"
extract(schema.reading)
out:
4 h 32 min
